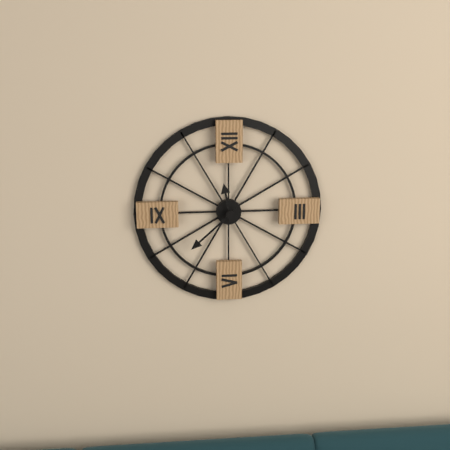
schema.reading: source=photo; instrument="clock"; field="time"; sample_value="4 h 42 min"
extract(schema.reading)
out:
11 h 38 min
